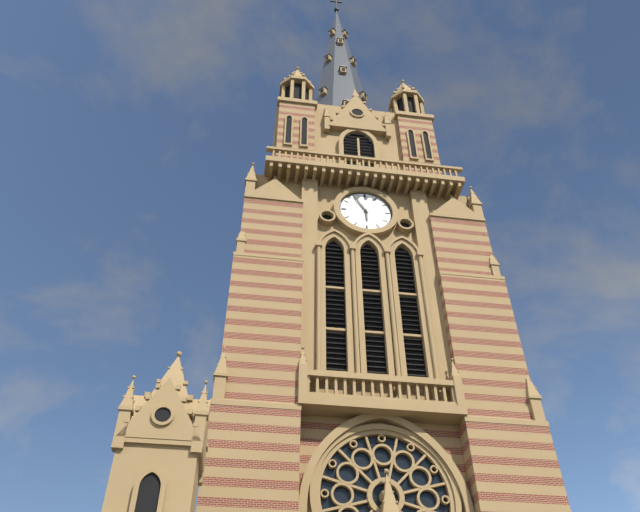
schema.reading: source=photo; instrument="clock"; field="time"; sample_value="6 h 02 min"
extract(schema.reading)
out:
5 h 55 min
